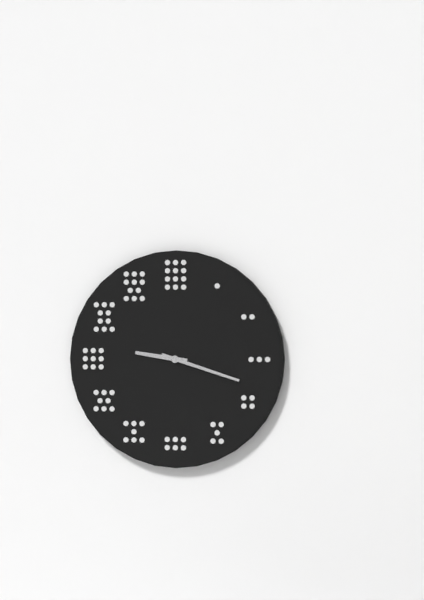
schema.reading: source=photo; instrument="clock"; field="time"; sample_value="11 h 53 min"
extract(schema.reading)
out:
9 h 18 min
